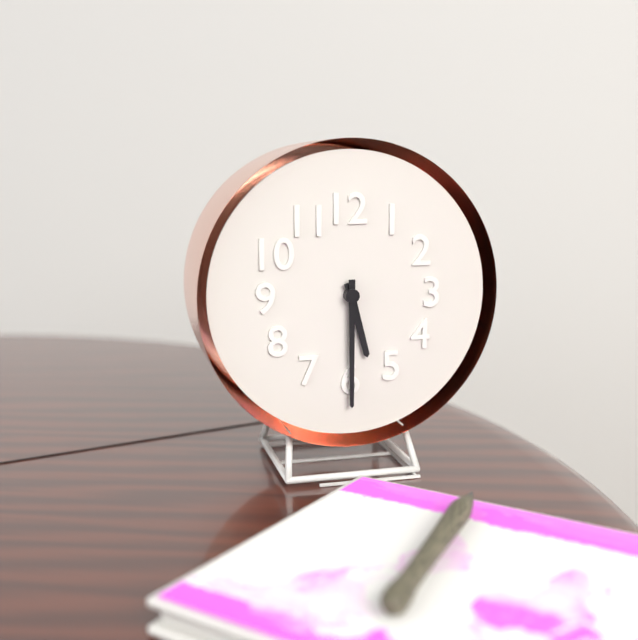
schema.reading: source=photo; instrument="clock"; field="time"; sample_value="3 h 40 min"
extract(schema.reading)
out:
5 h 30 min
